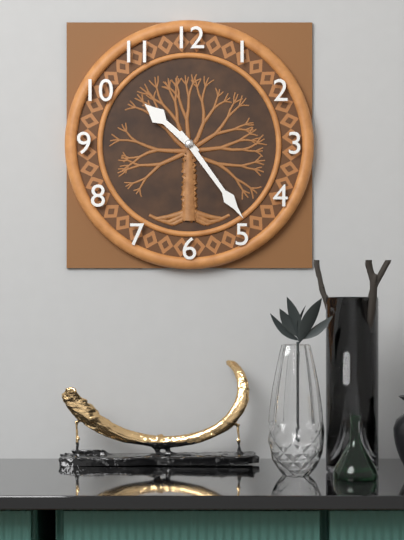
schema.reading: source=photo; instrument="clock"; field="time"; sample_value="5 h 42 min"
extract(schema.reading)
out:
10 h 24 min
